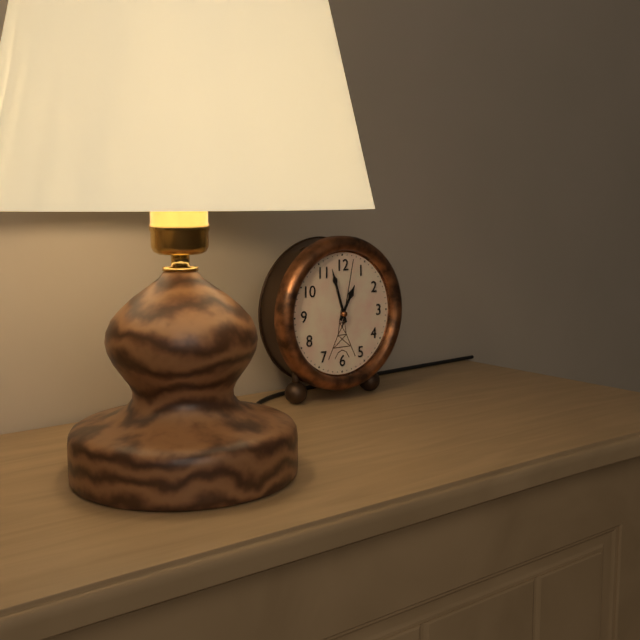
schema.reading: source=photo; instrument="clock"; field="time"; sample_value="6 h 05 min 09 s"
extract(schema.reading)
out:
12 h 57 min 02 s
